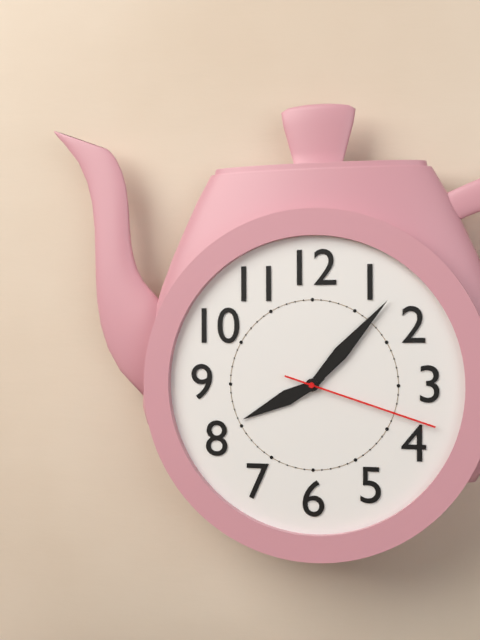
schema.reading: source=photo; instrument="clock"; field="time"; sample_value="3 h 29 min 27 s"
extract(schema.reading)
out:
8 h 07 min 18 s
